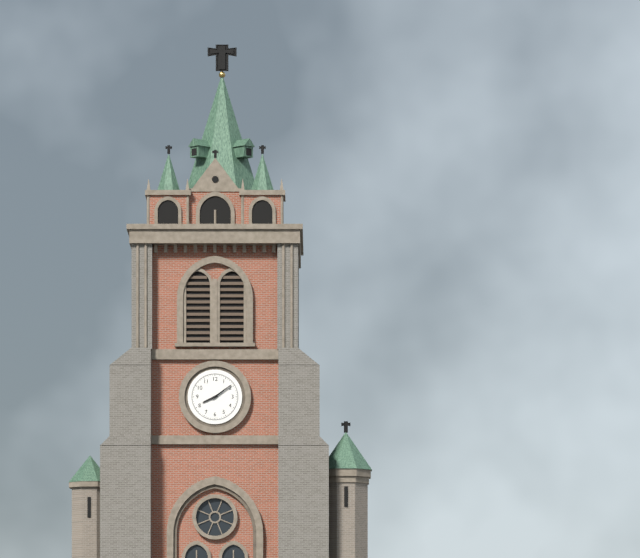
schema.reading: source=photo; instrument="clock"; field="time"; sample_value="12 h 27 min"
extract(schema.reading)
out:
8 h 09 min
